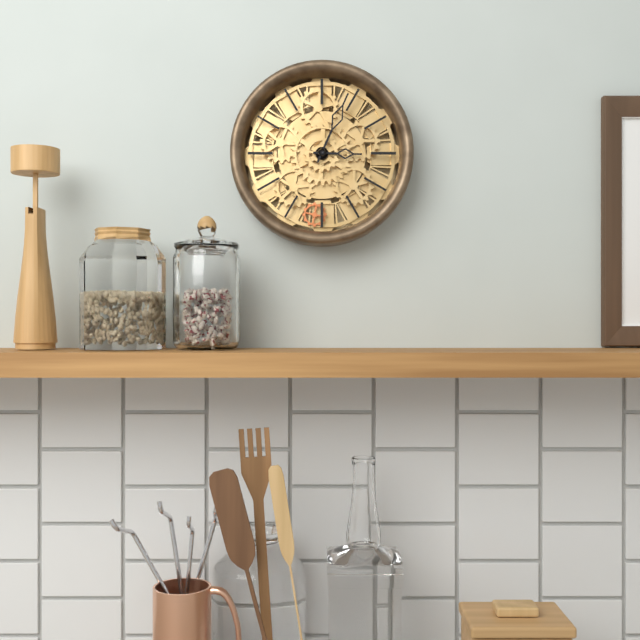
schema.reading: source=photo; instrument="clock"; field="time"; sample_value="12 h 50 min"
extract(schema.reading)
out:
3 h 04 min
